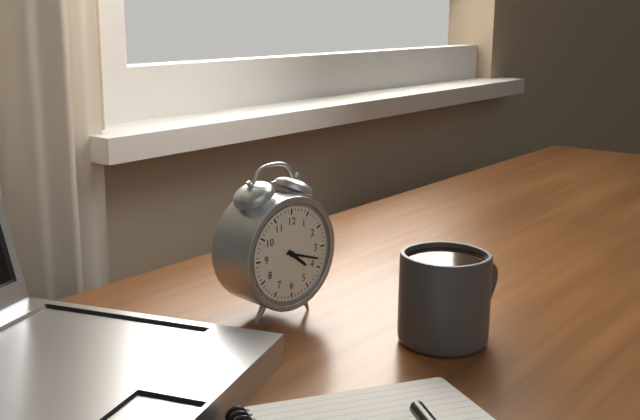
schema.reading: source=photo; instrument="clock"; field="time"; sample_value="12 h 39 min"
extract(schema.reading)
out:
4 h 18 min
